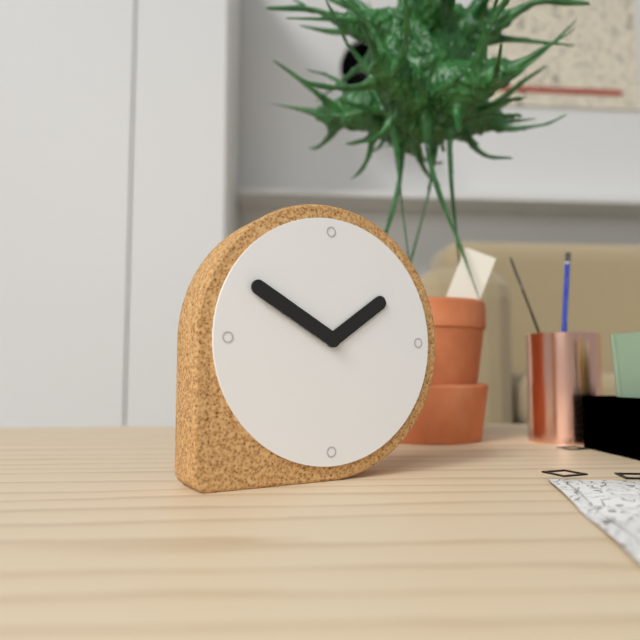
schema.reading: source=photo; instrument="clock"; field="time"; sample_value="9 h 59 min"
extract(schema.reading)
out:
1 h 50 min
